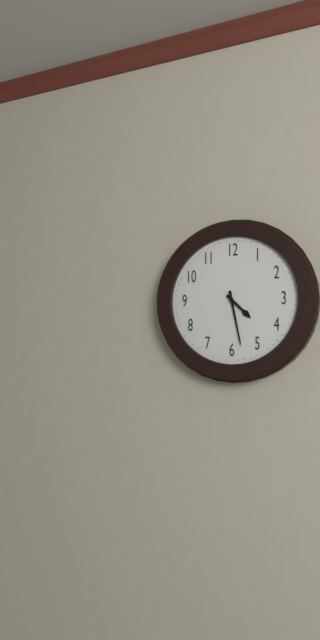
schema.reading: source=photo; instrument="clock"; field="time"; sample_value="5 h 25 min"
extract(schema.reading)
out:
4 h 28 min
